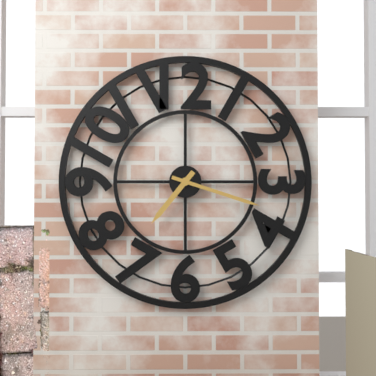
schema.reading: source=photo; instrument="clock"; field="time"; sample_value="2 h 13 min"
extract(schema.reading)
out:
7 h 18 min
